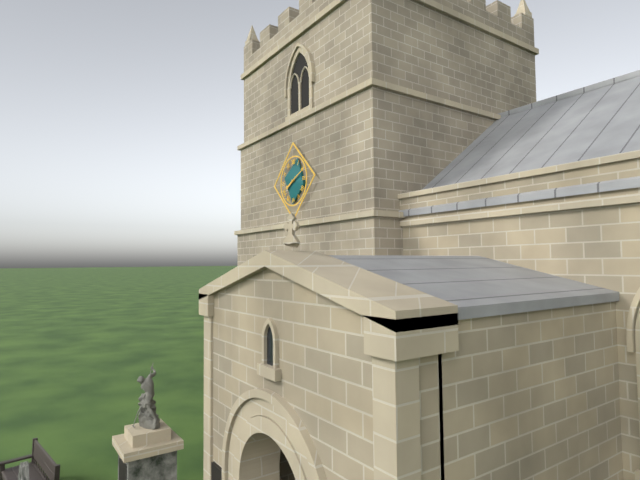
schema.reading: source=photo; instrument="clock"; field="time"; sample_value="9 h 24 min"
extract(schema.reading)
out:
8 h 11 min
